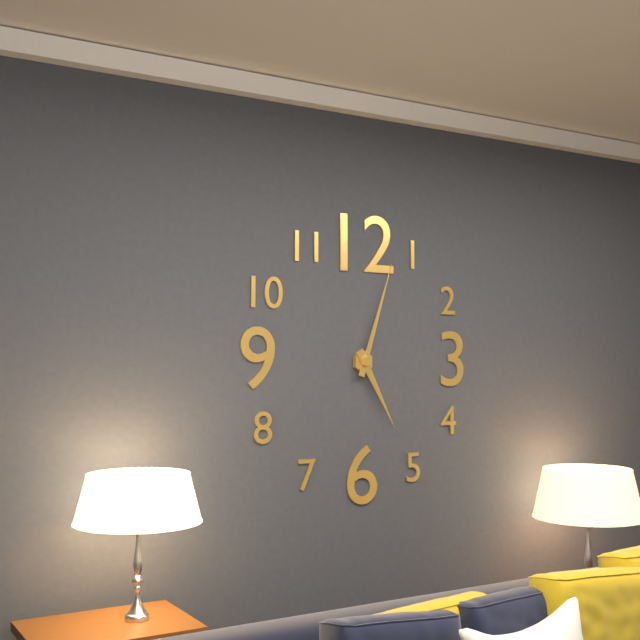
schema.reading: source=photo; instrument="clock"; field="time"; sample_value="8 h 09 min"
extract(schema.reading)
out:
5 h 03 min
